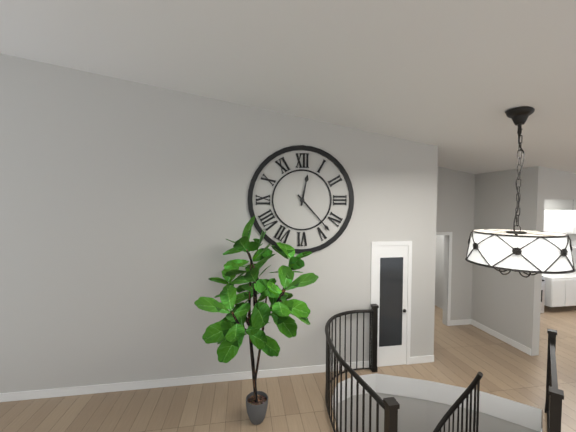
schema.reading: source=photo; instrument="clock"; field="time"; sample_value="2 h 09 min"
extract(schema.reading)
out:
12 h 23 min
